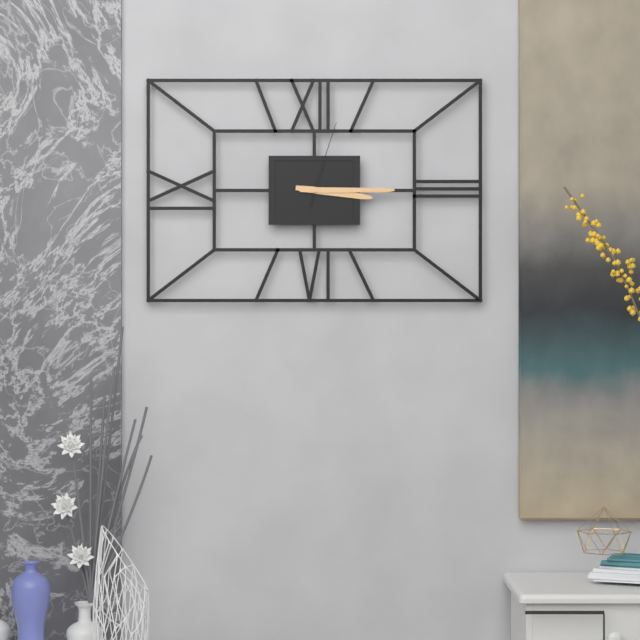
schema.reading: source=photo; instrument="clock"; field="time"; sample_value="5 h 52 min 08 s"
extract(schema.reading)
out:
3 h 15 min 03 s
